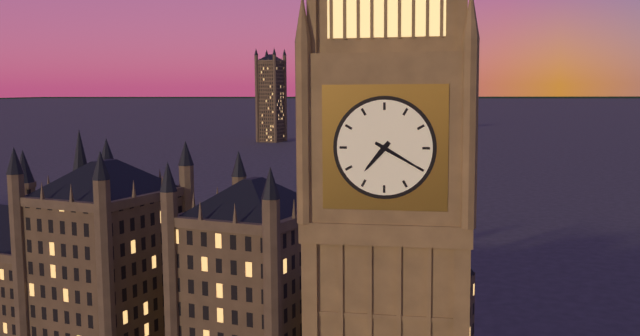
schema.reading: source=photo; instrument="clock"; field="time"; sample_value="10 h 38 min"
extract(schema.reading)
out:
7 h 20 min
